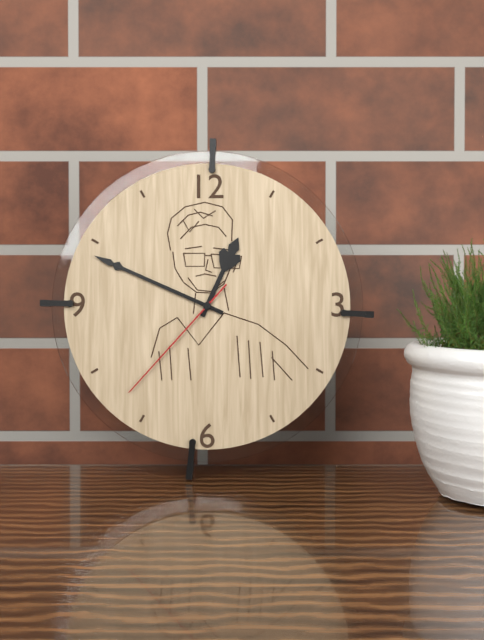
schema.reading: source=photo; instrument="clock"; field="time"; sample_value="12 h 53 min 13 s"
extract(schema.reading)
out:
12 h 49 min 37 s
